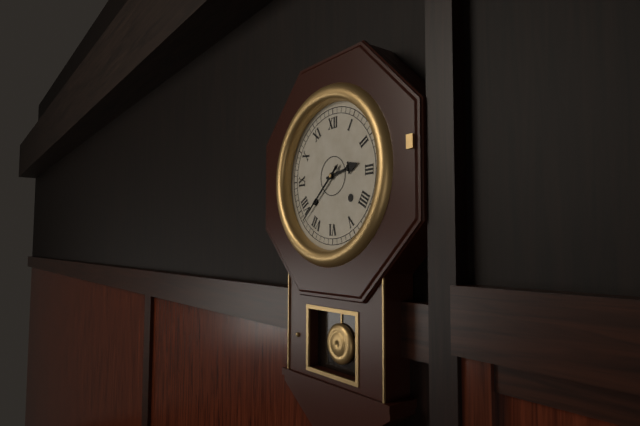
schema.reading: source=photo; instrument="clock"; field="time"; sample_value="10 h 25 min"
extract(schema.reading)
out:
2 h 38 min
